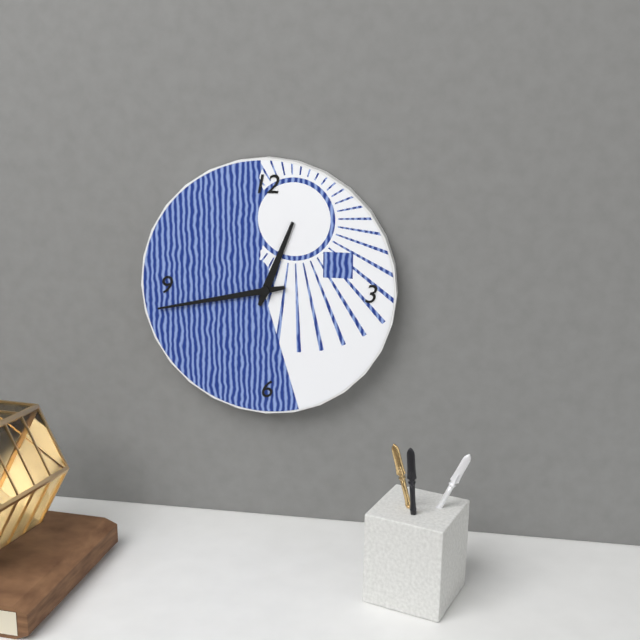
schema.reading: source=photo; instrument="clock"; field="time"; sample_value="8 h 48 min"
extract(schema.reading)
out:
12 h 43 min
